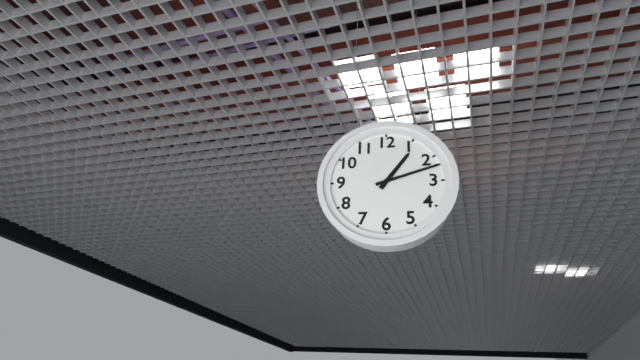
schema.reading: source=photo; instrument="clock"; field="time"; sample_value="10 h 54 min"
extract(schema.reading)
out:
1 h 12 min
